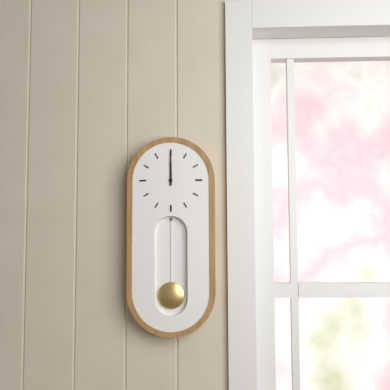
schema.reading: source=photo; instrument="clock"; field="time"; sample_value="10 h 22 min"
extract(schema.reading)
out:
12 h 00 min
